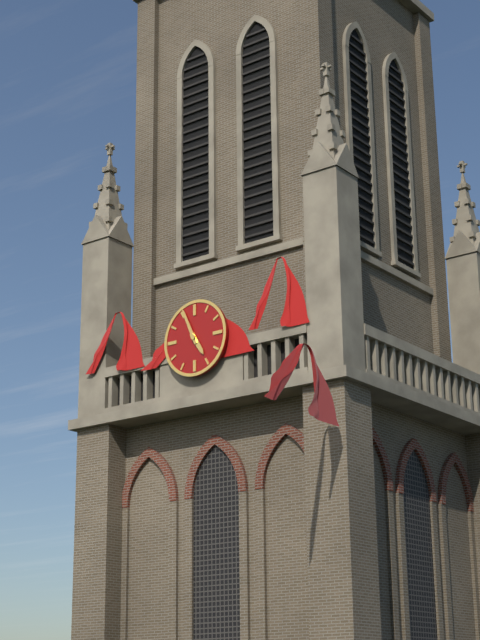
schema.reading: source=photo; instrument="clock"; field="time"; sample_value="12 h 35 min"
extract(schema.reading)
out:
4 h 56 min
